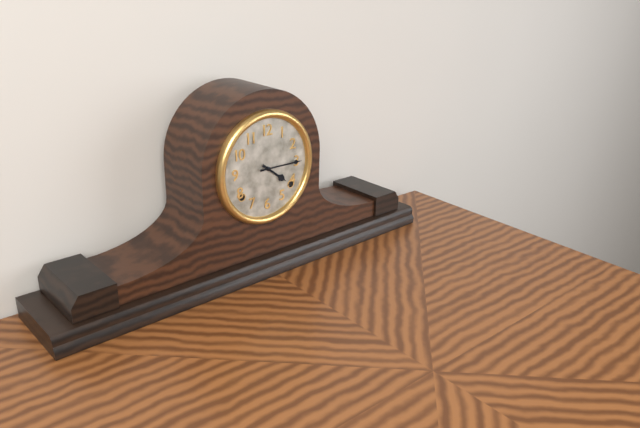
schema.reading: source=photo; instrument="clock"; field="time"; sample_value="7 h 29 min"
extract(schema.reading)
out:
4 h 15 min
